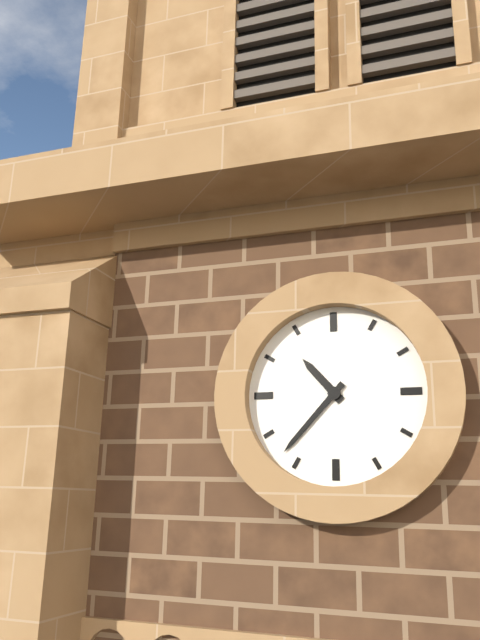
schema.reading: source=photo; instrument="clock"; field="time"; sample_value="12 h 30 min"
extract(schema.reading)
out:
10 h 37 min
